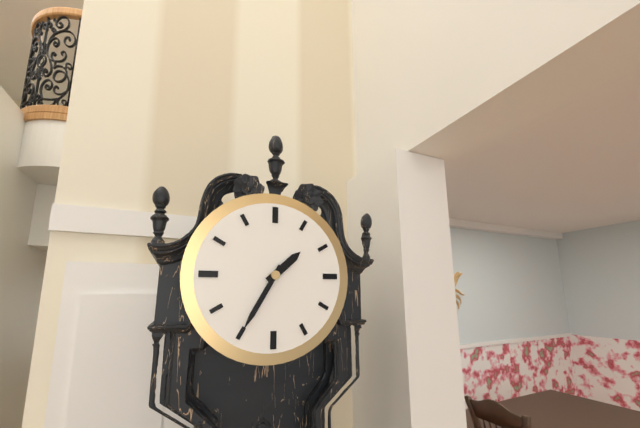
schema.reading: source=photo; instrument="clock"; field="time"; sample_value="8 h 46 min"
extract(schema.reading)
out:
1 h 35 min
